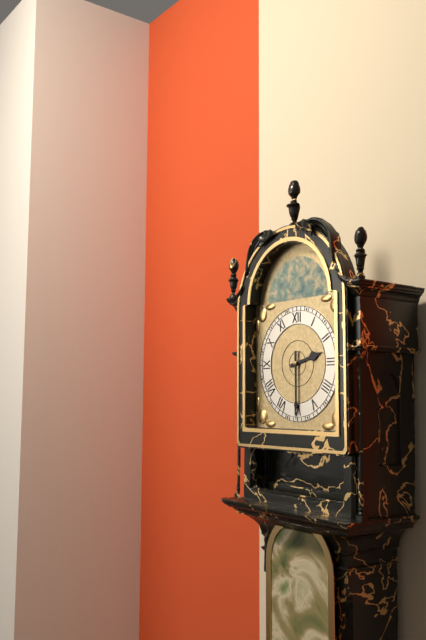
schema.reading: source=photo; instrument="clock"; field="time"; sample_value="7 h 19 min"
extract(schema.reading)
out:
2 h 30 min
